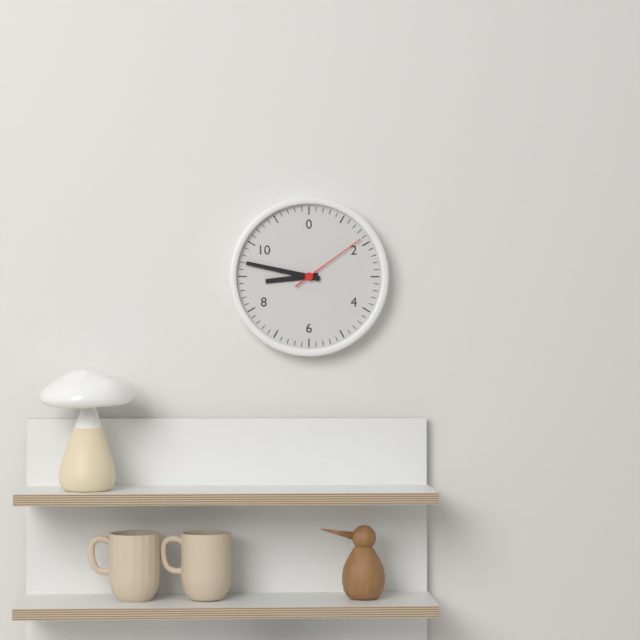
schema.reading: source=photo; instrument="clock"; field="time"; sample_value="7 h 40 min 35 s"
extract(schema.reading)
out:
8 h 47 min 09 s
